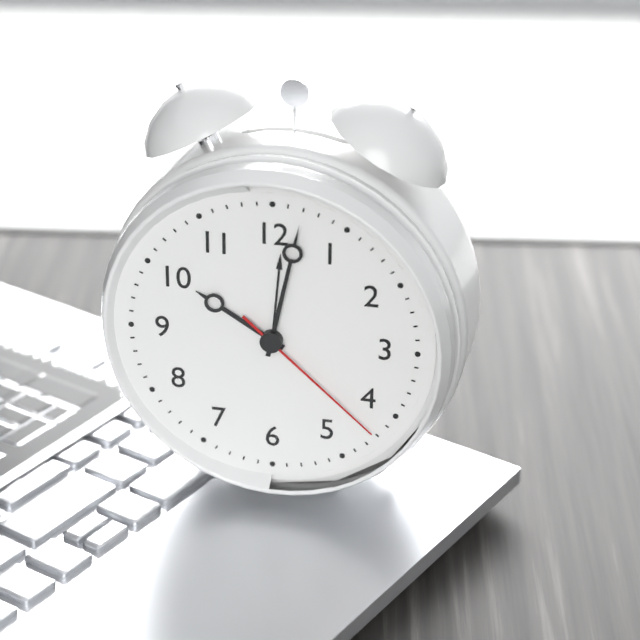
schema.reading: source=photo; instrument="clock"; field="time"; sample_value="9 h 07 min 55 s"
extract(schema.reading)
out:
10 h 02 min 22 s
